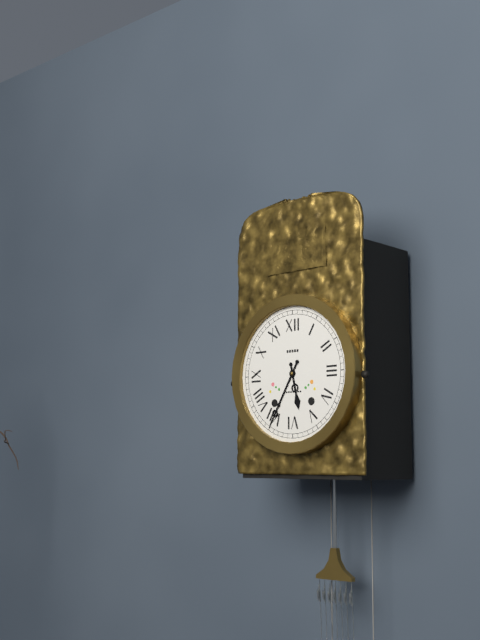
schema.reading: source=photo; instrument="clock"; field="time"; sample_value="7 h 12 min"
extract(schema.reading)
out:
5 h 35 min
